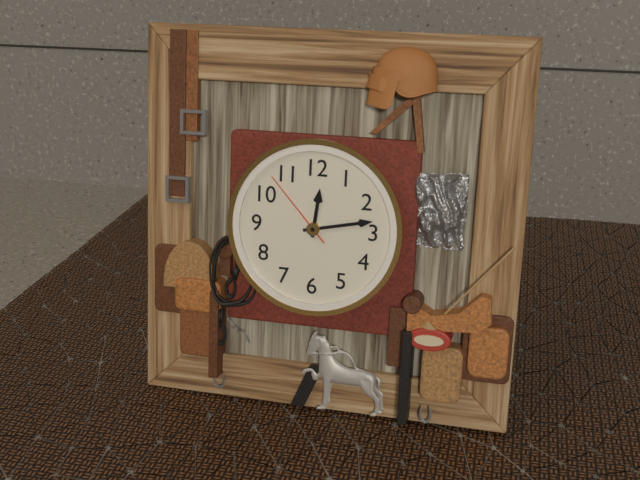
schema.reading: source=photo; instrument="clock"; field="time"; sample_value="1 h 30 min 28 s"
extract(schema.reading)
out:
12 h 13 min 53 s
